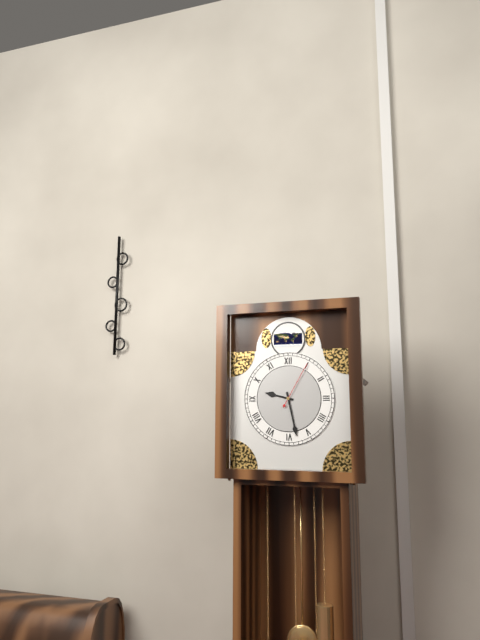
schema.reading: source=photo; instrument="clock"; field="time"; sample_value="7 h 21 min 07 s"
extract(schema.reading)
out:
9 h 28 min 05 s
